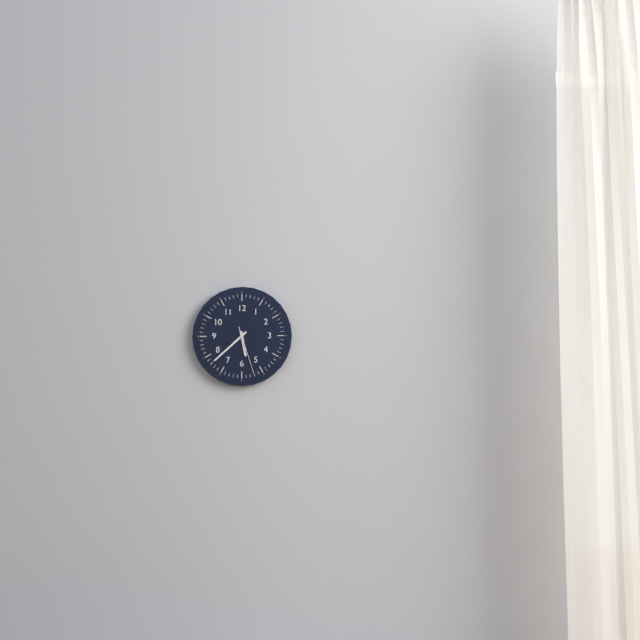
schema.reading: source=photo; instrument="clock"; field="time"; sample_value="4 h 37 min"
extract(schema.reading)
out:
5 h 38 min
